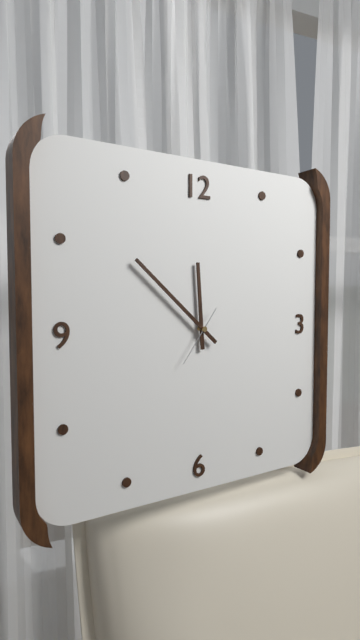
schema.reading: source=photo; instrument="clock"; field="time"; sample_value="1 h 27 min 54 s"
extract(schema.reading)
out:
11 h 52 min 36 s
